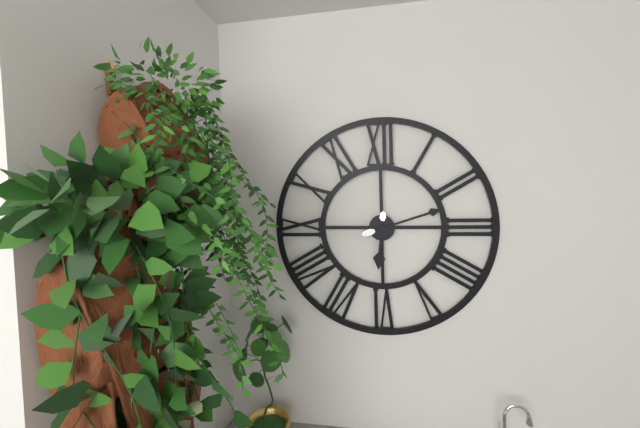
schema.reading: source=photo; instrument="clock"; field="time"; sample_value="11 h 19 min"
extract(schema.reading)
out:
6 h 12 min
